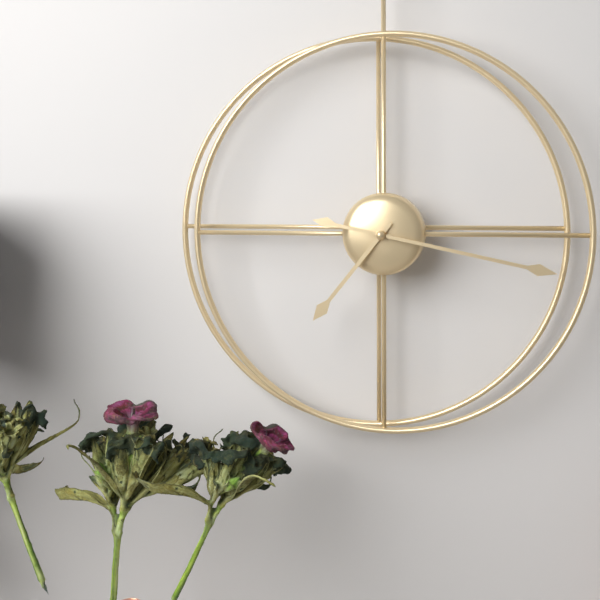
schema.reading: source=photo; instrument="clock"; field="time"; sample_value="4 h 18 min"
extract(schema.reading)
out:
7 h 17 min
